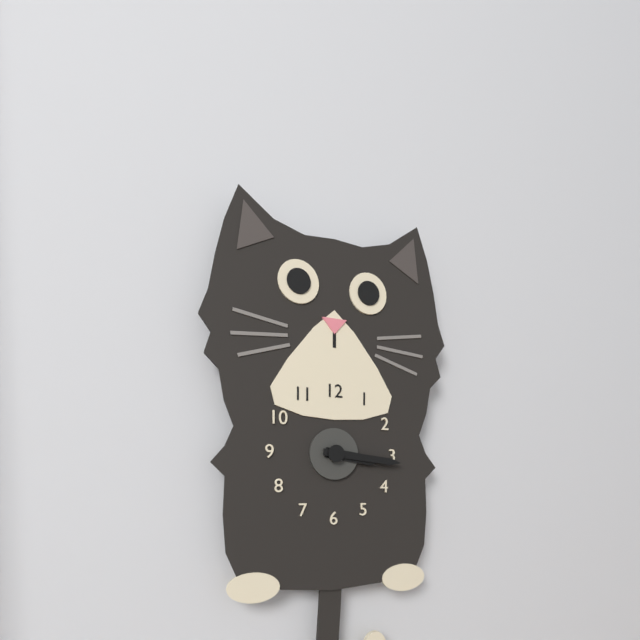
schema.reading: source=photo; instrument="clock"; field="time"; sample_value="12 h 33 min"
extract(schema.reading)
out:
3 h 16 min
